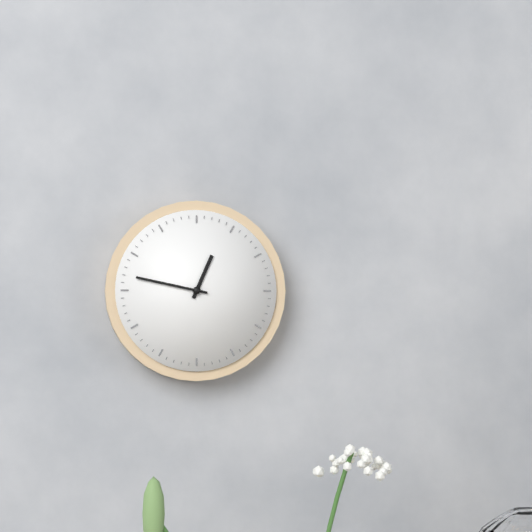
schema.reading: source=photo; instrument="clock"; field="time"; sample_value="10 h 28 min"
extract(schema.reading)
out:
12 h 47 min
